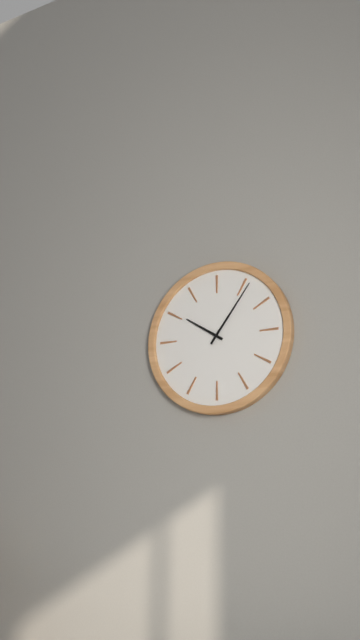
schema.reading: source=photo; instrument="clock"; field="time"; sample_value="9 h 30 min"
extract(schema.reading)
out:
10 h 06 min
